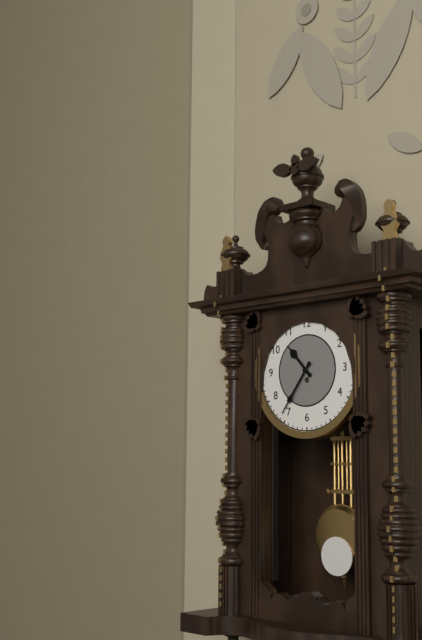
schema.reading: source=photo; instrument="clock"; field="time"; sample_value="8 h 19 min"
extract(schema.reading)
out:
10 h 36 min
